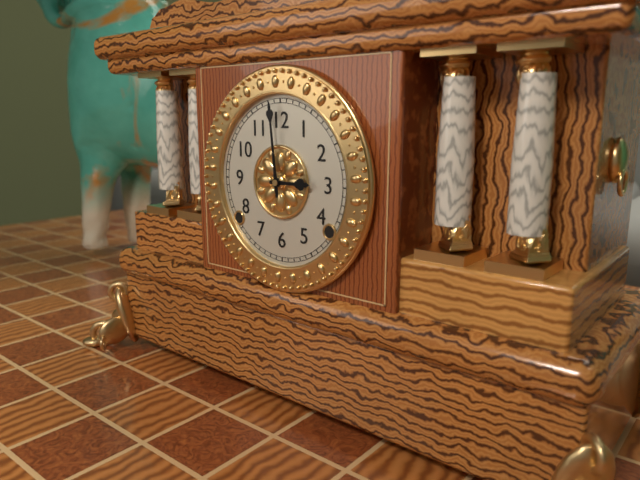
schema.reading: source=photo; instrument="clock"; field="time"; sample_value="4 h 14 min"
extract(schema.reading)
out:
2 h 59 min
